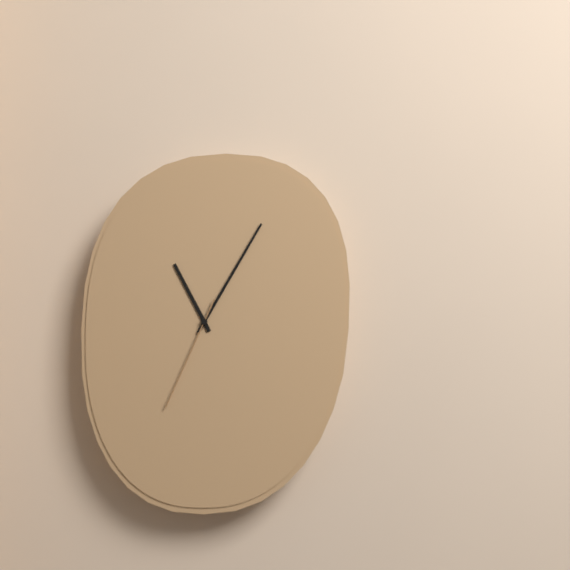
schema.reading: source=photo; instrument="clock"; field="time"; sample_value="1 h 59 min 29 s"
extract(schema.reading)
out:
11 h 05 min 34 s
